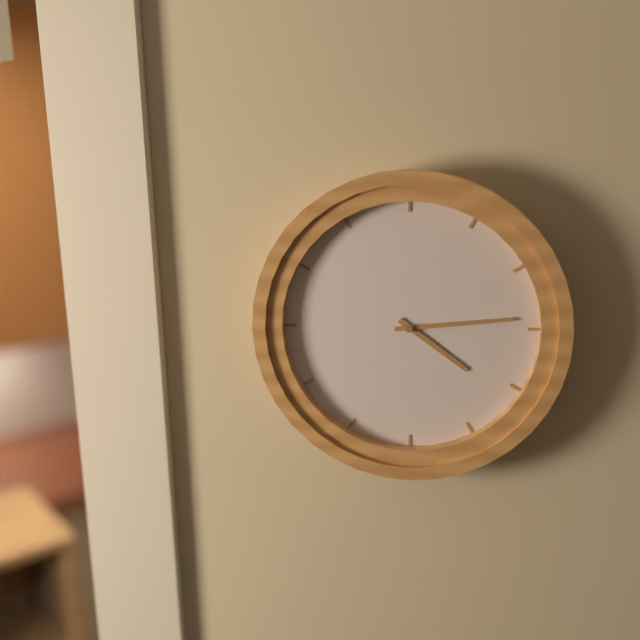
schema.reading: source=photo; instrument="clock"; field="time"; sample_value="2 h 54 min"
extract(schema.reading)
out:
4 h 14 min
